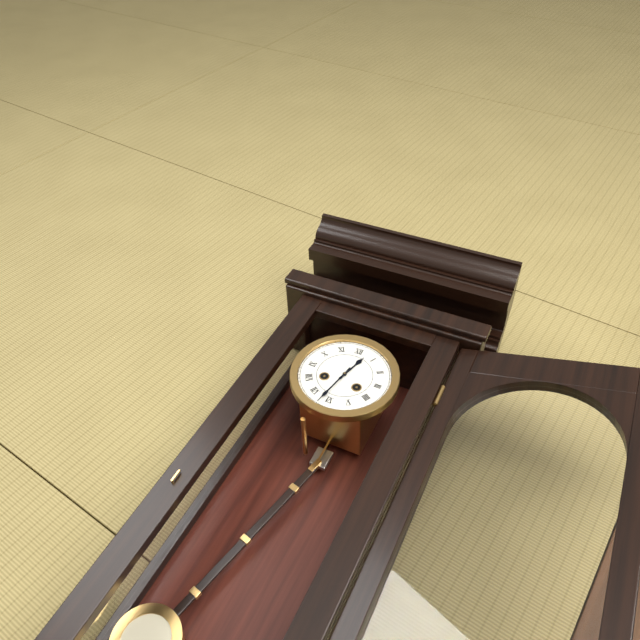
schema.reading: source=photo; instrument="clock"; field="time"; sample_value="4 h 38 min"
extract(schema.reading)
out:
12 h 32 min
